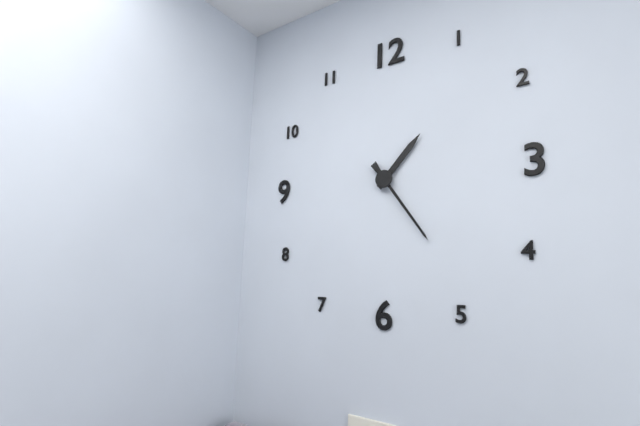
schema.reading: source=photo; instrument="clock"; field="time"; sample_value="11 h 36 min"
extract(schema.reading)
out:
1 h 24 min
